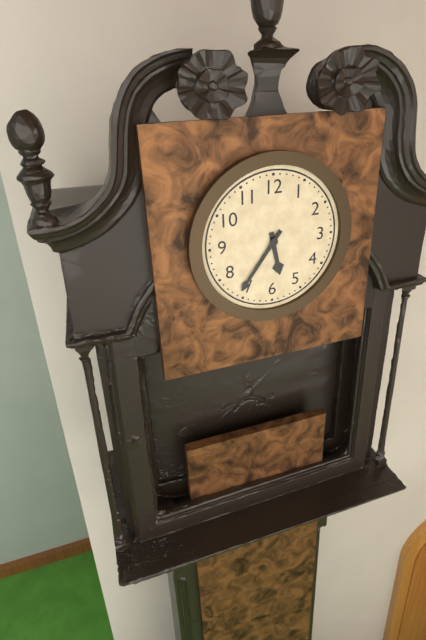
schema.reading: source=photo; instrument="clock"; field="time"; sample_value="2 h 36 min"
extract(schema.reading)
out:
5 h 36 min
